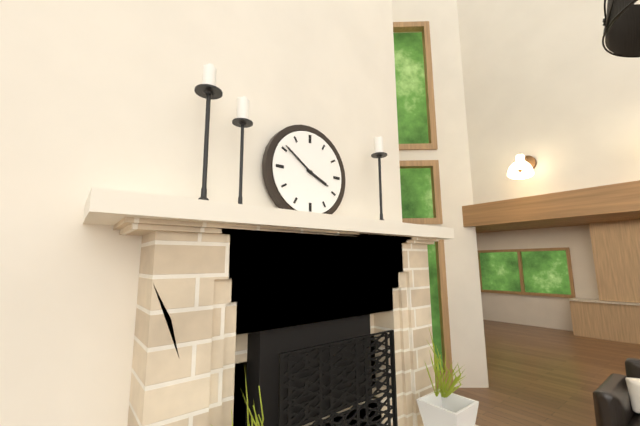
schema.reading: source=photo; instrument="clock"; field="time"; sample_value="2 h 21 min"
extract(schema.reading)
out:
3 h 51 min
